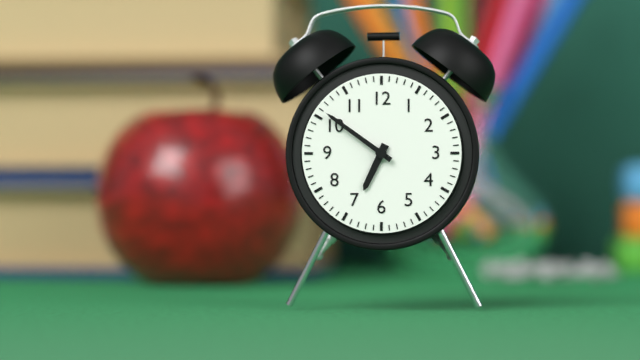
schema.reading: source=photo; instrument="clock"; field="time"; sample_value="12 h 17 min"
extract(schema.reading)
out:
6 h 51 min
